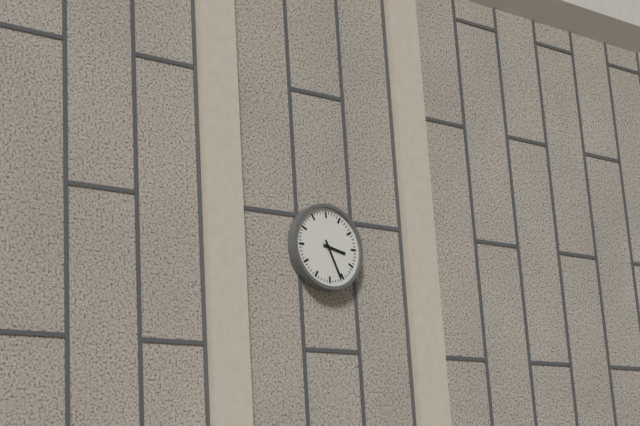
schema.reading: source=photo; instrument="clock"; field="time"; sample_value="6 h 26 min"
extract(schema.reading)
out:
3 h 26 min
